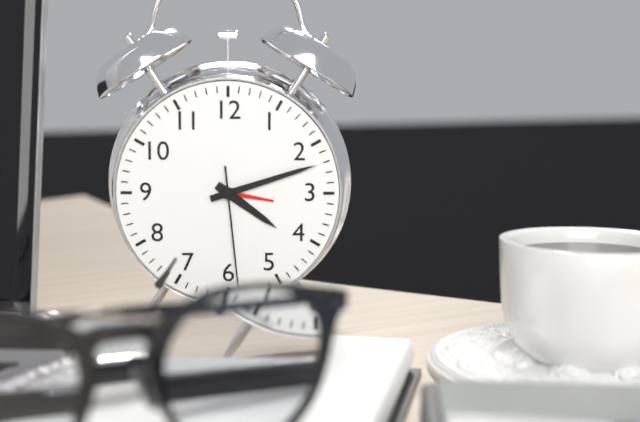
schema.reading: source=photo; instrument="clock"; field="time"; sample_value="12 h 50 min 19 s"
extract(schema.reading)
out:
4 h 12 min 29 s
